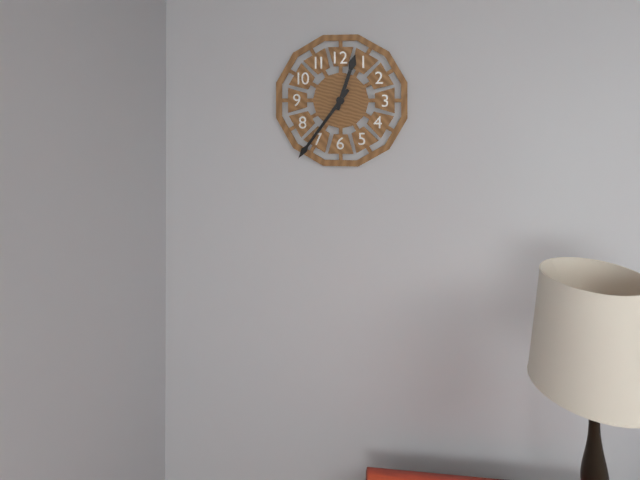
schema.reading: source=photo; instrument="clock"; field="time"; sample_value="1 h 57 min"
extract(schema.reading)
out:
12 h 36 min
